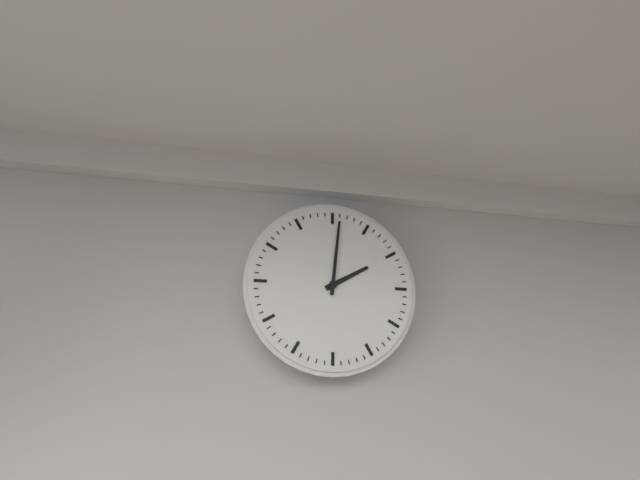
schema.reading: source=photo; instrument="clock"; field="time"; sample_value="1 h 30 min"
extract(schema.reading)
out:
2 h 01 min
